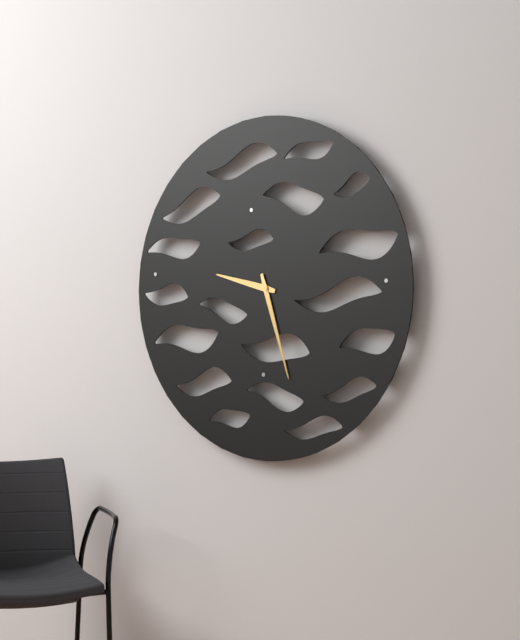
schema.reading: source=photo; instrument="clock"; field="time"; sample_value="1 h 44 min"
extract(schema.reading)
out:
9 h 27 min
